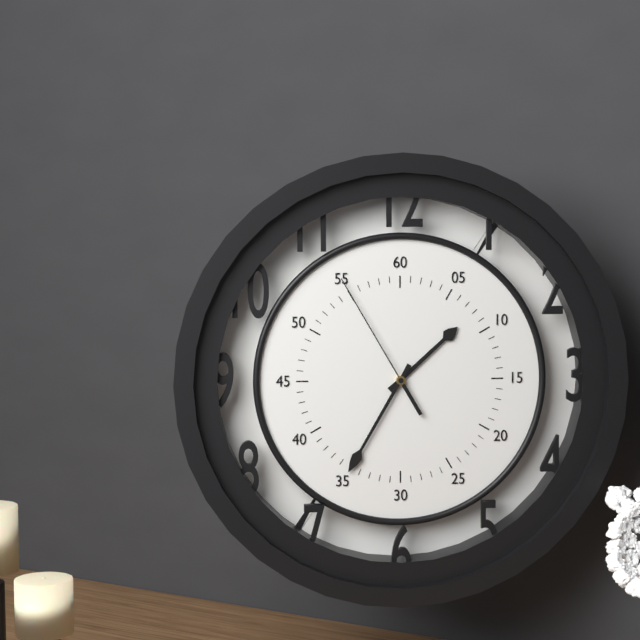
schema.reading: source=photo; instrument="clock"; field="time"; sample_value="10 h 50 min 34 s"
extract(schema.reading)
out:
1 h 35 min 55 s
